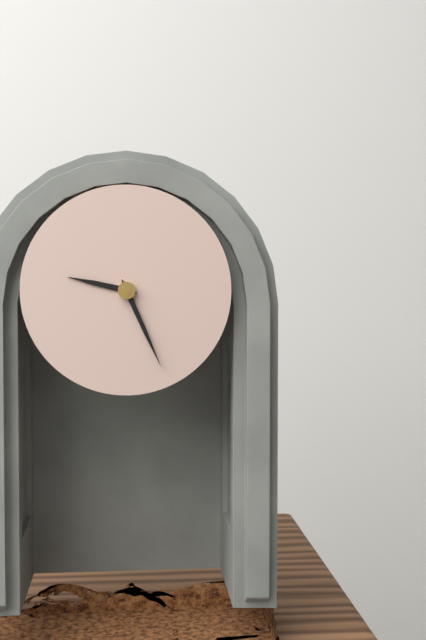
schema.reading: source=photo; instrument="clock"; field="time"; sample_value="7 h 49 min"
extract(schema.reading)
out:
9 h 26 min
